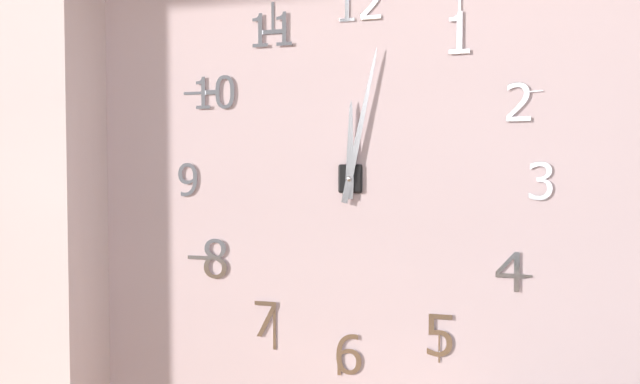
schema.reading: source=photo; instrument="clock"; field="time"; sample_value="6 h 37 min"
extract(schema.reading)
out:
12 h 02 min
